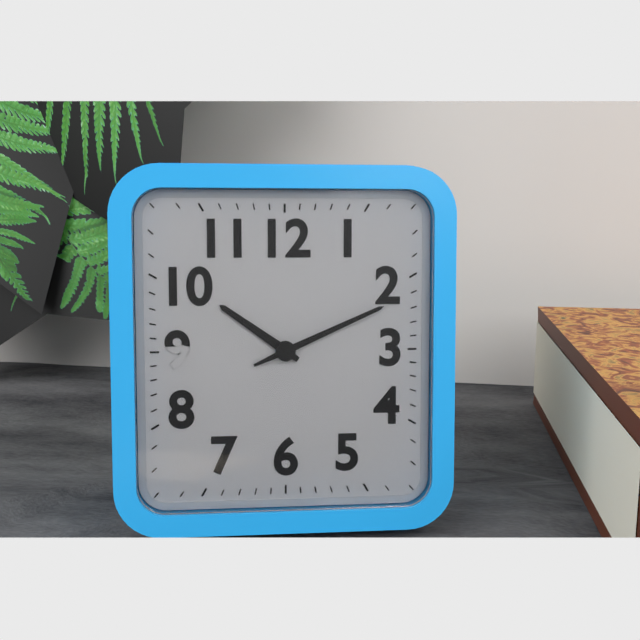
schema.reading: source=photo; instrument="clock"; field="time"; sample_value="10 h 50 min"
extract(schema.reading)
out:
10 h 11 min
